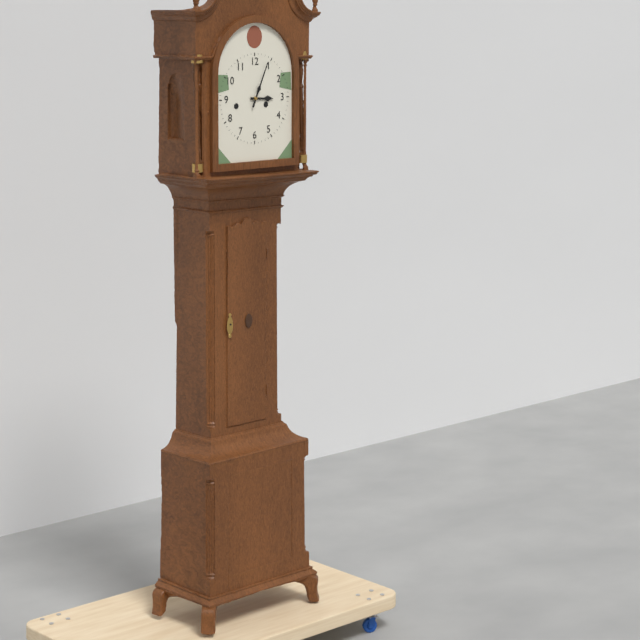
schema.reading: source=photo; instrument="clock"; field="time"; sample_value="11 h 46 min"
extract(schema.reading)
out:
3 h 04 min
